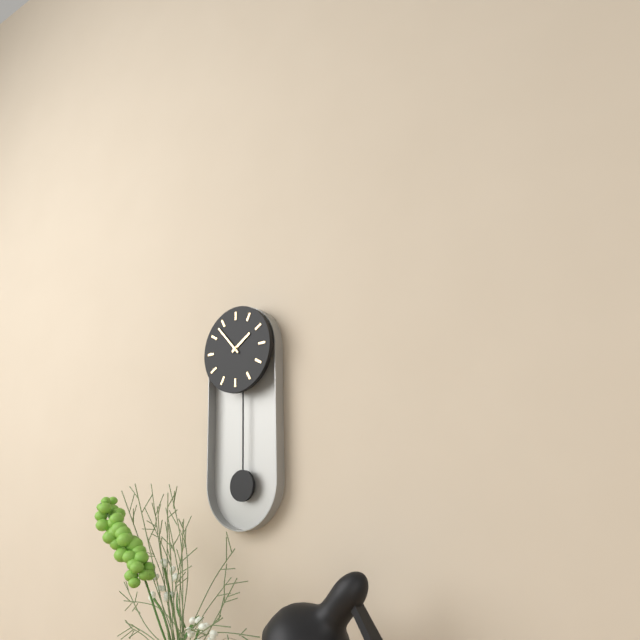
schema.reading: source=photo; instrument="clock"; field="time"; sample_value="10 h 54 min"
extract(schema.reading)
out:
1 h 53 min
